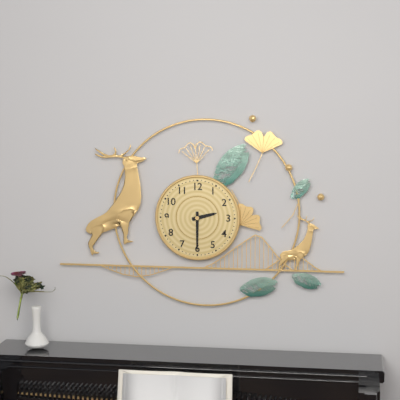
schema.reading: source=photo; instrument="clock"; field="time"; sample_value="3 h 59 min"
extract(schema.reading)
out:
2 h 30 min
